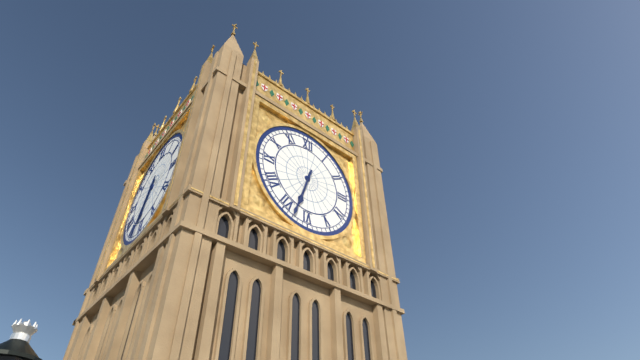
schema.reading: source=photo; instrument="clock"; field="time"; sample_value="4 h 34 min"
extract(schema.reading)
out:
6 h 33 min
